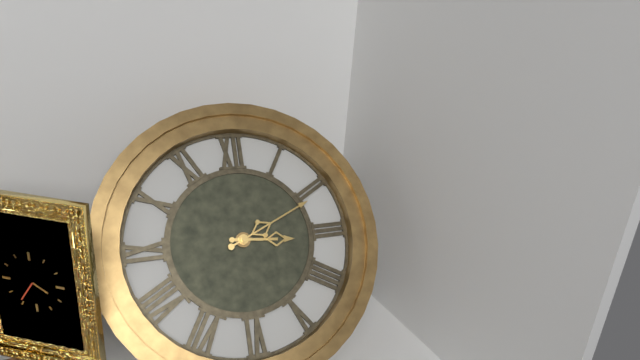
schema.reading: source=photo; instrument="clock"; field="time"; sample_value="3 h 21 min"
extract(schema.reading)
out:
3 h 11 min
